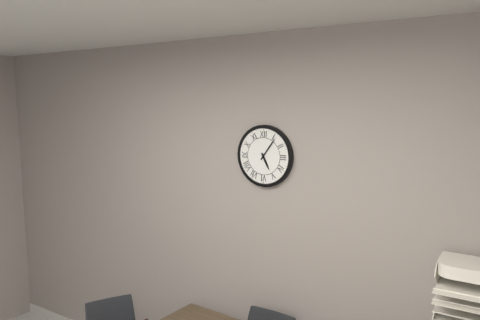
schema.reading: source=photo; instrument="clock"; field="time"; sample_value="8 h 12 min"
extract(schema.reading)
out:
5 h 06 min
